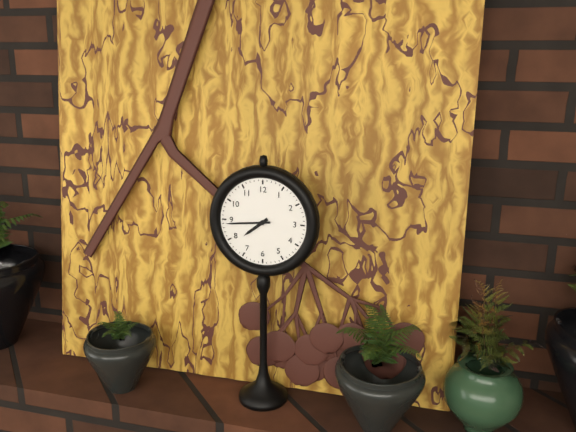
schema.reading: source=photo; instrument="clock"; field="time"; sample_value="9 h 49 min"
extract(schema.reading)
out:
7 h 44 min
